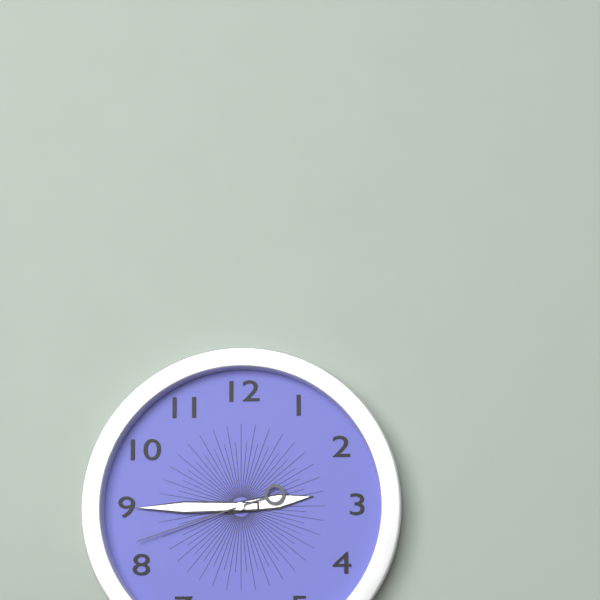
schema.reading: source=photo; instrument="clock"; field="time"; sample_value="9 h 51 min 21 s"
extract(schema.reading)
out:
2 h 45 min 42 s
